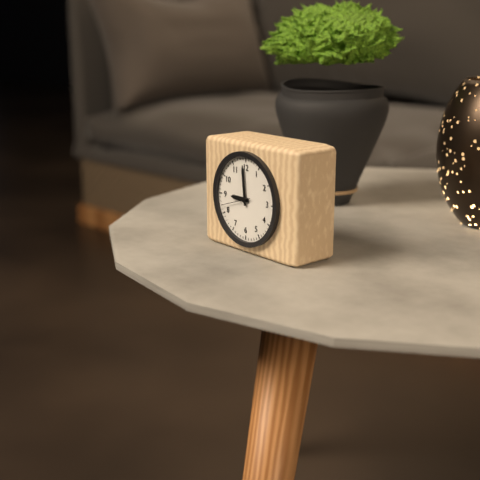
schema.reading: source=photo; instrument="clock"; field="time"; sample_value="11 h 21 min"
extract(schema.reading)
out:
8 h 59 min
